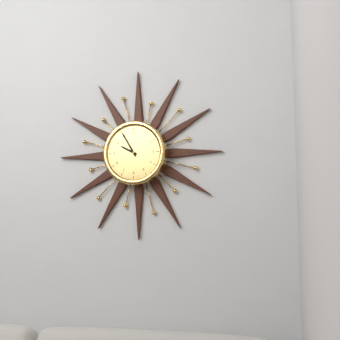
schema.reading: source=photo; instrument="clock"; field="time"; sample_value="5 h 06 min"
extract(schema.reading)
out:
9 h 55 min
